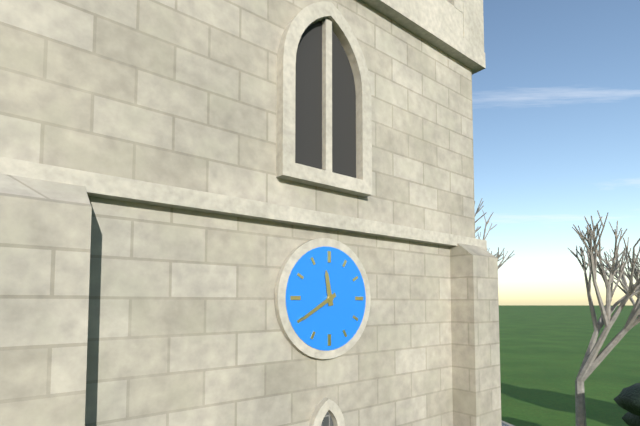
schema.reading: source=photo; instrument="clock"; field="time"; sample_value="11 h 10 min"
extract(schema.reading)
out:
11 h 40 min
